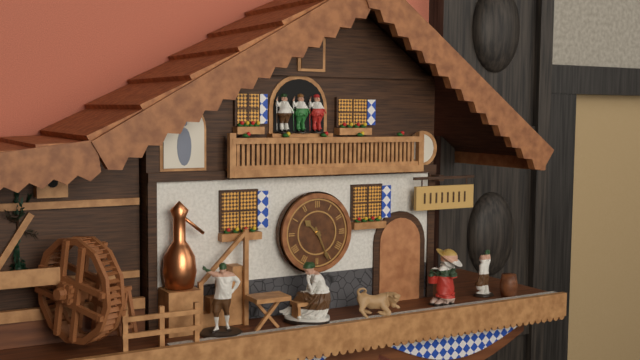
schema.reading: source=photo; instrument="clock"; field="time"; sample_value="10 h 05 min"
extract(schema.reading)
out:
10 h 26 min
